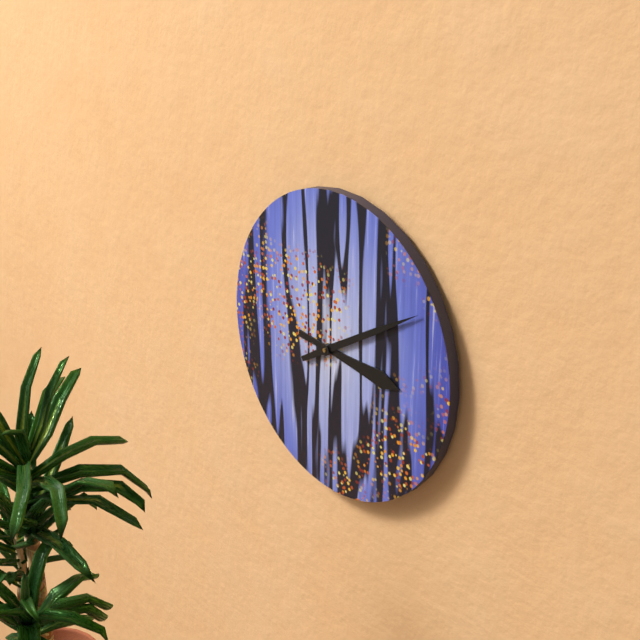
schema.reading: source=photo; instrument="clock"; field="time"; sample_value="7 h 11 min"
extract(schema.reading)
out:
3 h 10 min
